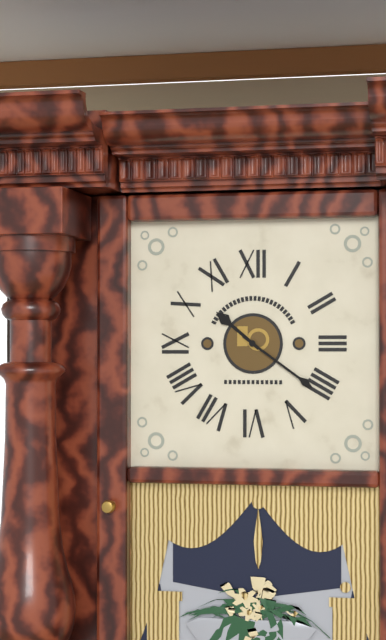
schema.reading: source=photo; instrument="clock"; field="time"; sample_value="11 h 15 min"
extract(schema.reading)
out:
10 h 21 min
